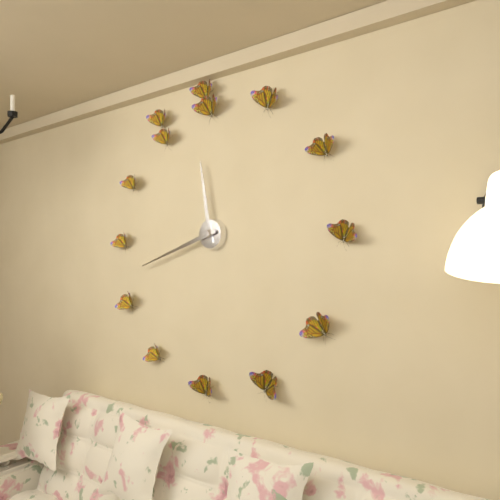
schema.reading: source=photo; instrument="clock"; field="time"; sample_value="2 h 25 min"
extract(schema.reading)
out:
11 h 42 min
